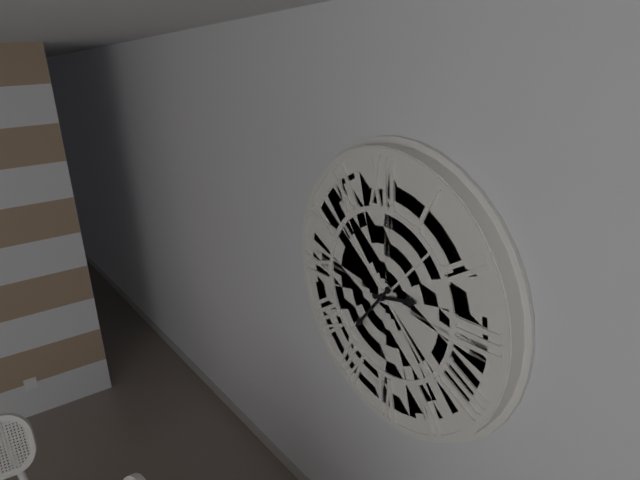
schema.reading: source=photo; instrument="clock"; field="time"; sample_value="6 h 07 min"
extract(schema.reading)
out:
2 h 37 min
